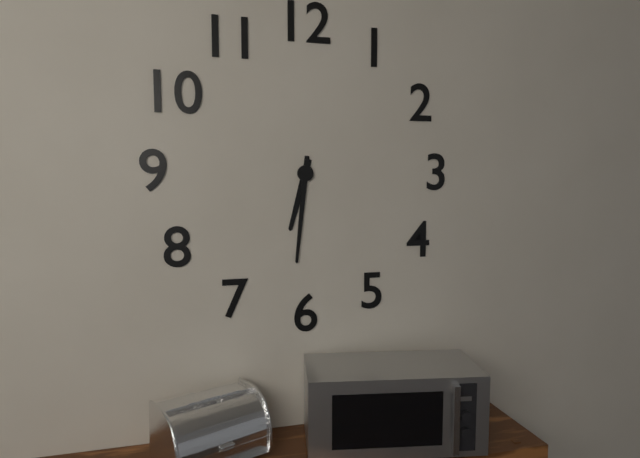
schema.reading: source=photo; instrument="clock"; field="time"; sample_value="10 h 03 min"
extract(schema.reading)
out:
6 h 31 min
